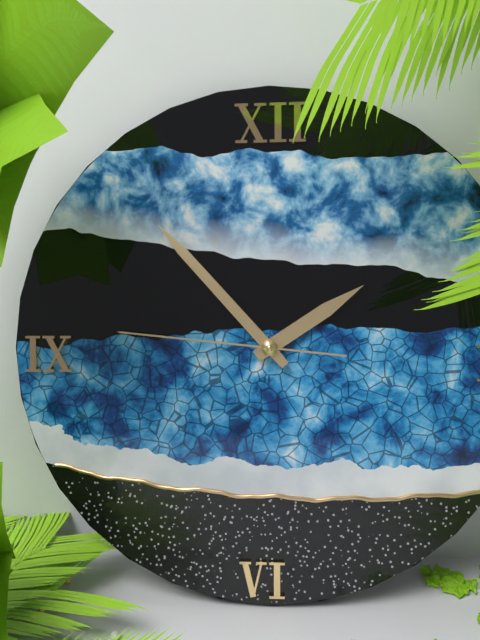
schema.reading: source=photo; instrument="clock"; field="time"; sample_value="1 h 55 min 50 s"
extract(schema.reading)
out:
1 h 53 min 46 s
